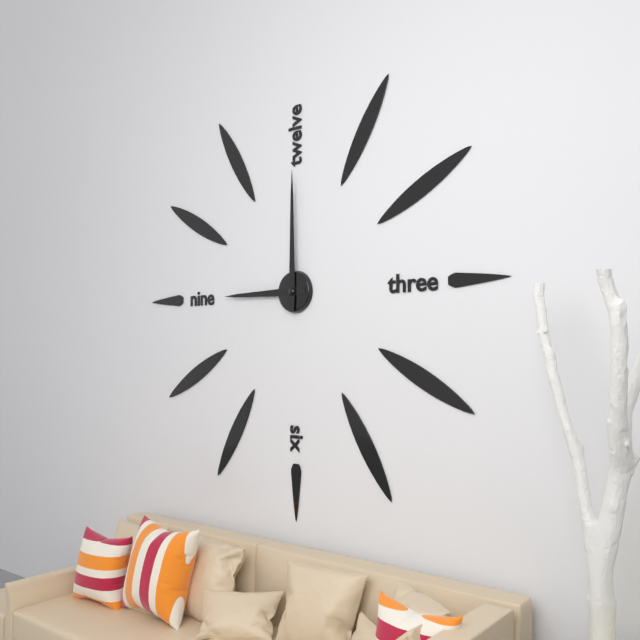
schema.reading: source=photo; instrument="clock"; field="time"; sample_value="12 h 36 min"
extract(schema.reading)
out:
9 h 00 min
